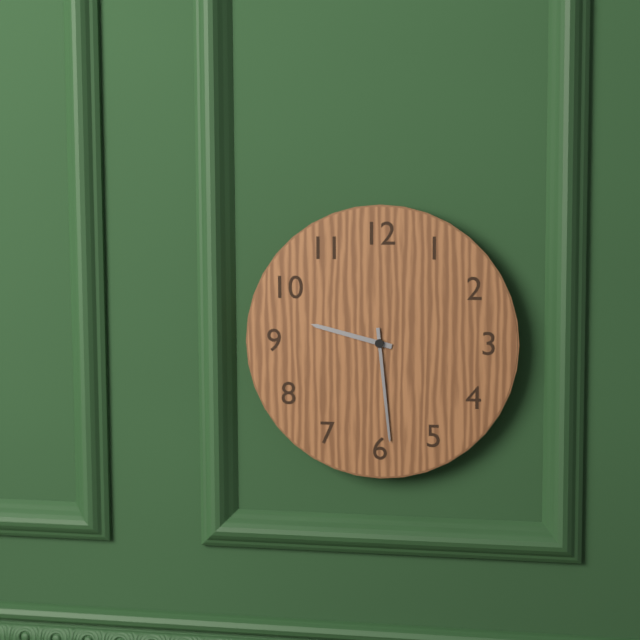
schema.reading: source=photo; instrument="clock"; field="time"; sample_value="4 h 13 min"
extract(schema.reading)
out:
9 h 29 min
